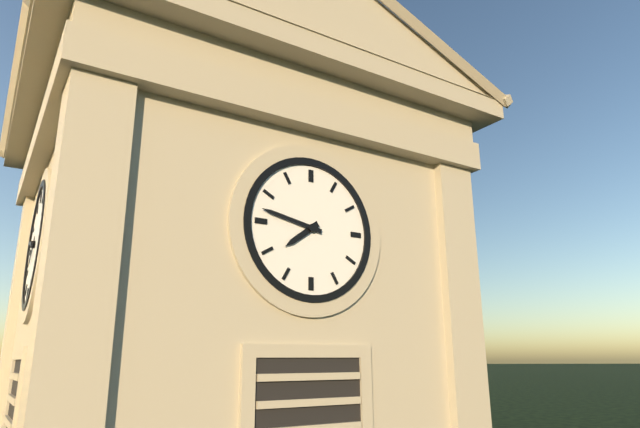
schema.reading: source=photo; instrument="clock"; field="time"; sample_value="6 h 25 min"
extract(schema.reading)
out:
7 h 47 min
